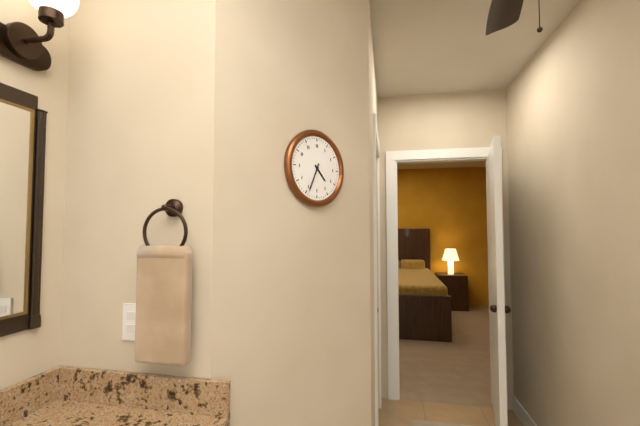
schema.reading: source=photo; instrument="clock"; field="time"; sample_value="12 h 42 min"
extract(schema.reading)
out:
4 h 34 min
